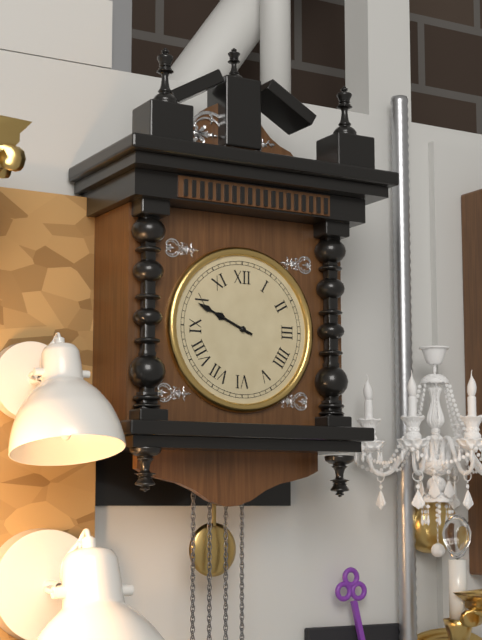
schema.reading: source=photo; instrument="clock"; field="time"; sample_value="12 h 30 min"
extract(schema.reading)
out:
9 h 49 min
